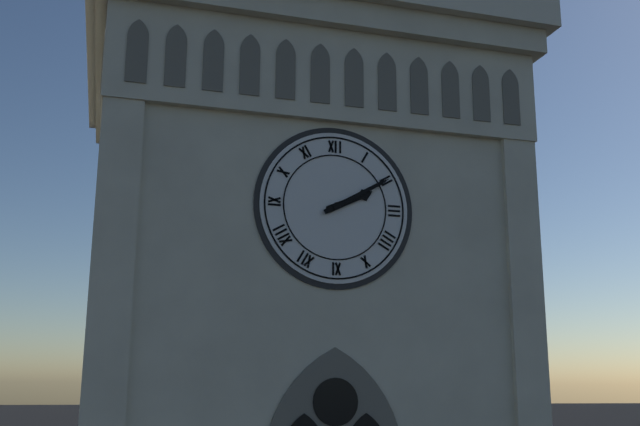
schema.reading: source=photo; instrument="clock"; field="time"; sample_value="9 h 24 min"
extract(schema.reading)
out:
2 h 10 min
